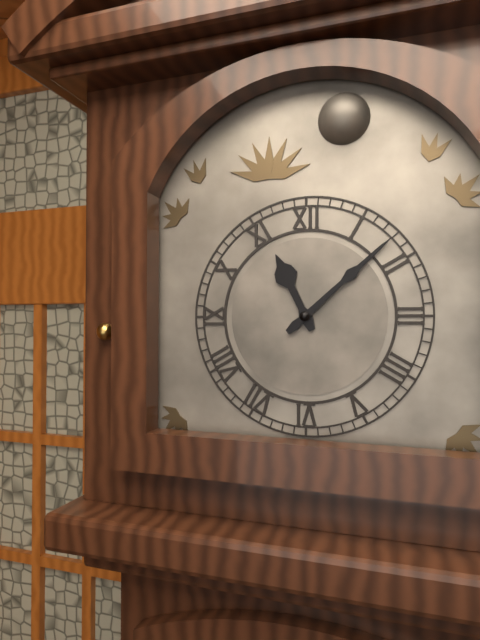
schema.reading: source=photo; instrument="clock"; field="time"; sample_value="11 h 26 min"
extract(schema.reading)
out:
11 h 08 min
